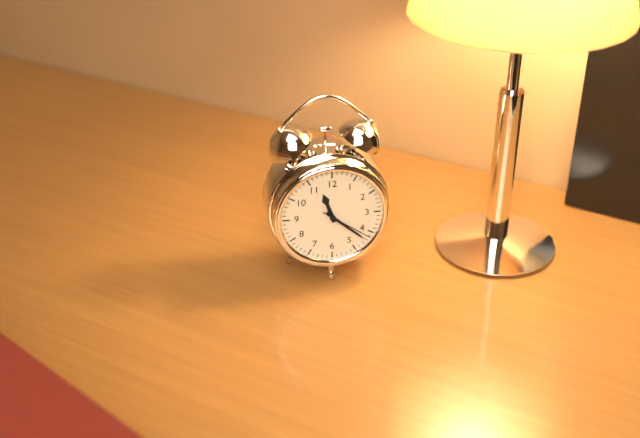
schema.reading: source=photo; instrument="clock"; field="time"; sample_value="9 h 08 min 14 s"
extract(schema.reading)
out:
11 h 22 min 21 s
